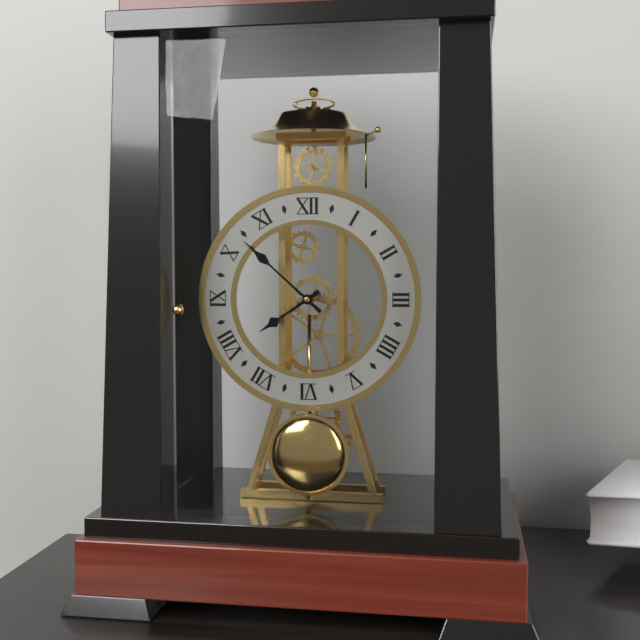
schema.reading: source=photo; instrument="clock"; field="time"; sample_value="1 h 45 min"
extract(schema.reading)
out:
7 h 52 min
